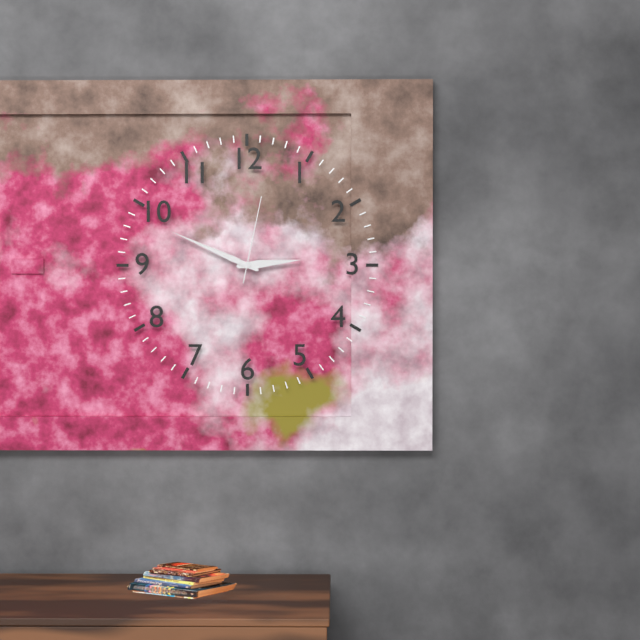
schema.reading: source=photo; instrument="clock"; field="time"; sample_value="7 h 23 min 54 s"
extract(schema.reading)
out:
2 h 49 min 02 s
